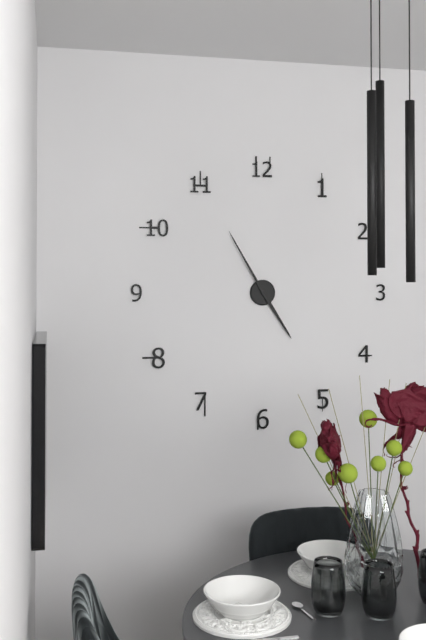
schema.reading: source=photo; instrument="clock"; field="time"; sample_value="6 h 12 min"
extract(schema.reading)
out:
4 h 55 min
